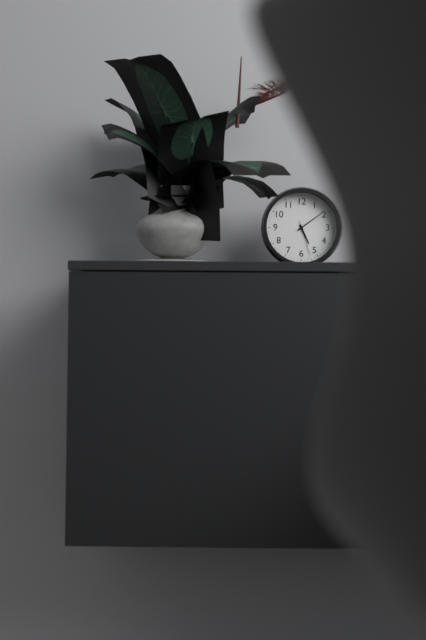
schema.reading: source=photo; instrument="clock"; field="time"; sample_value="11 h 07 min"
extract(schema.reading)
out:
5 h 09 min
